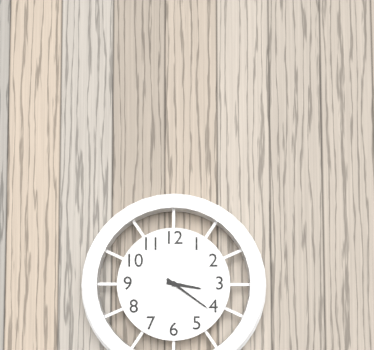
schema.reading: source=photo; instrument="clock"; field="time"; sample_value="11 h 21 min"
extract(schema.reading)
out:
3 h 21 min
